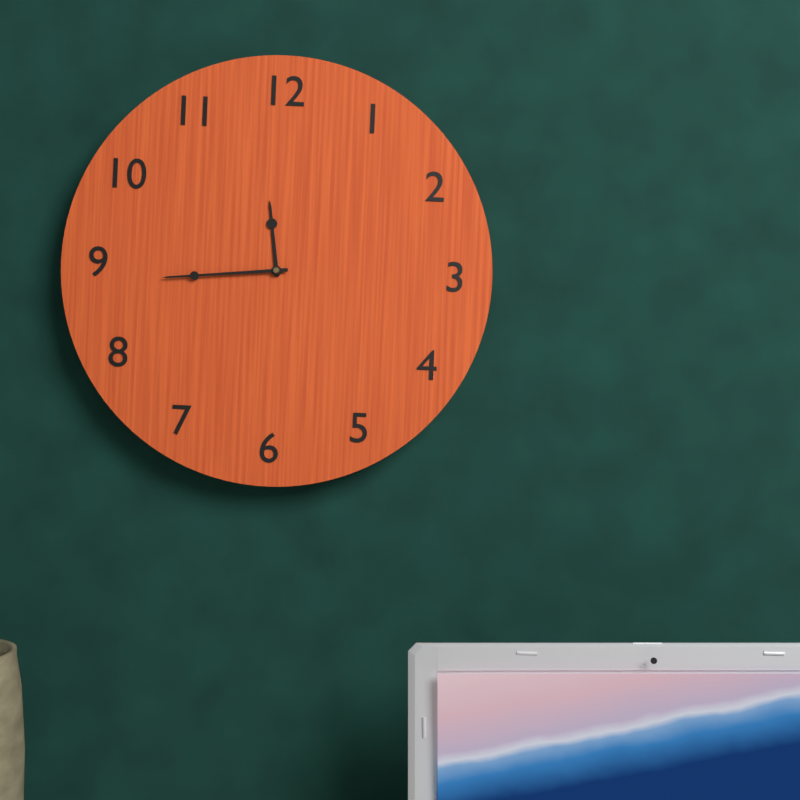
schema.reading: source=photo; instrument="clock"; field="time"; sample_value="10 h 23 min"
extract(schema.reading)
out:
11 h 44 min
